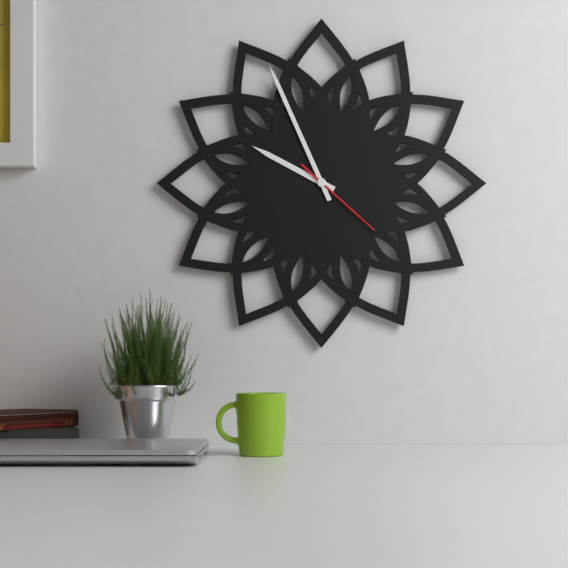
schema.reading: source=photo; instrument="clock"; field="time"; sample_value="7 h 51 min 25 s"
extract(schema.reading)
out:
9 h 56 min 22 s
